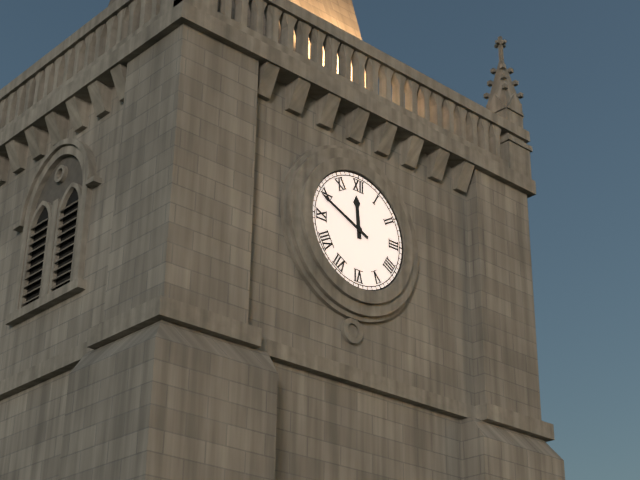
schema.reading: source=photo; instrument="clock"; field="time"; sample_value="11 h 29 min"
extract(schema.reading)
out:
11 h 49 min
